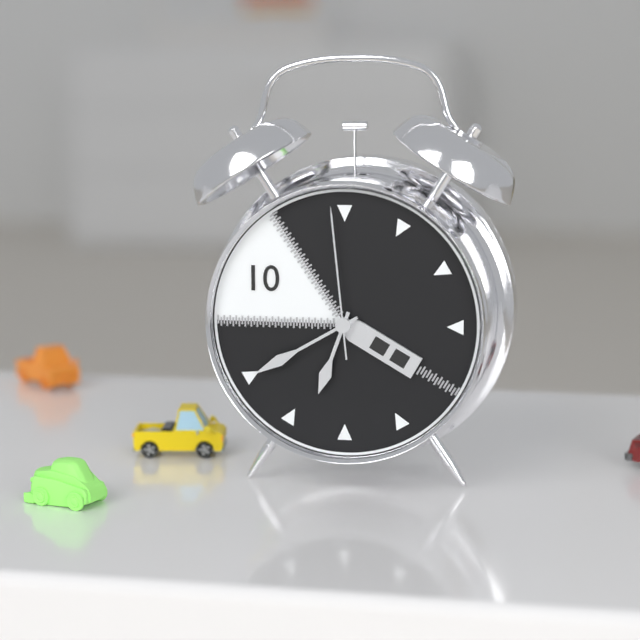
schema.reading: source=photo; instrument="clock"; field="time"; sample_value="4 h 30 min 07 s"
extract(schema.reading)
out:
6 h 40 min 59 s
